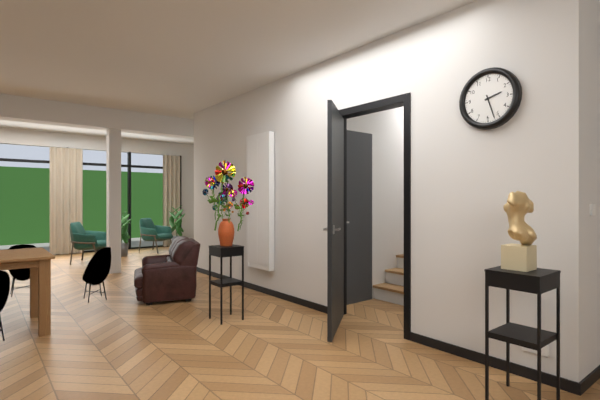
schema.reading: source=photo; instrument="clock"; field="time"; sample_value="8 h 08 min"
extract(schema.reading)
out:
2 h 27 min
